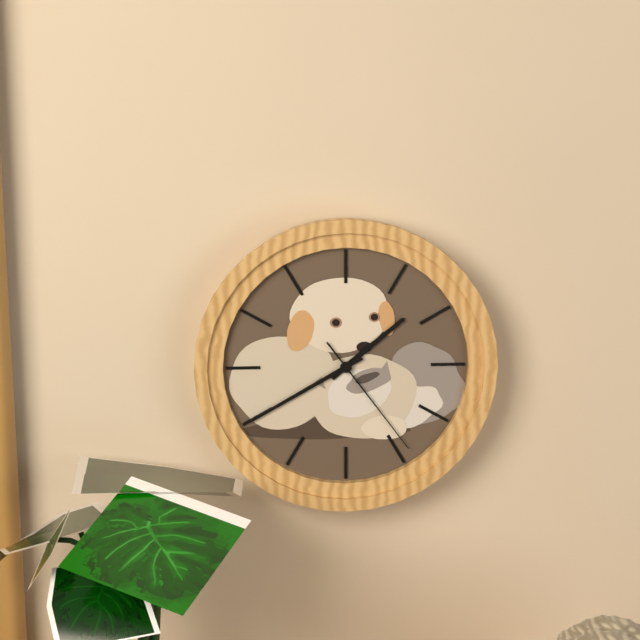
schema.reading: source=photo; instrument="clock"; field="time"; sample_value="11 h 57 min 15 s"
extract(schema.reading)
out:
1 h 40 min 24 s
